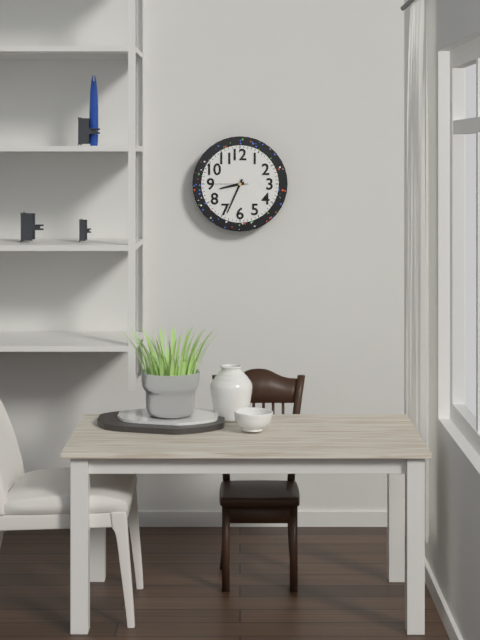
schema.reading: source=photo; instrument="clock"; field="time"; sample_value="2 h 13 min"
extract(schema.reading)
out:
8 h 34 min
